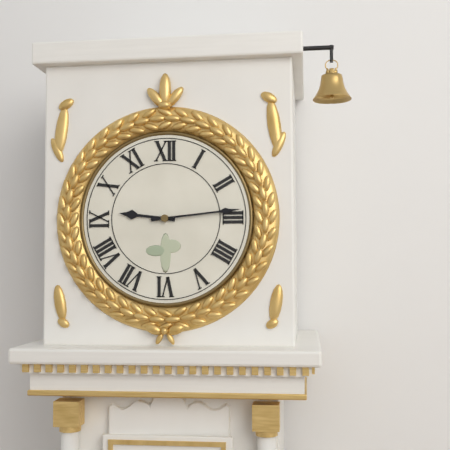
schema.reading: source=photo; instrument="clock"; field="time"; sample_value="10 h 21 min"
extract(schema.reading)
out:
9 h 14 min
